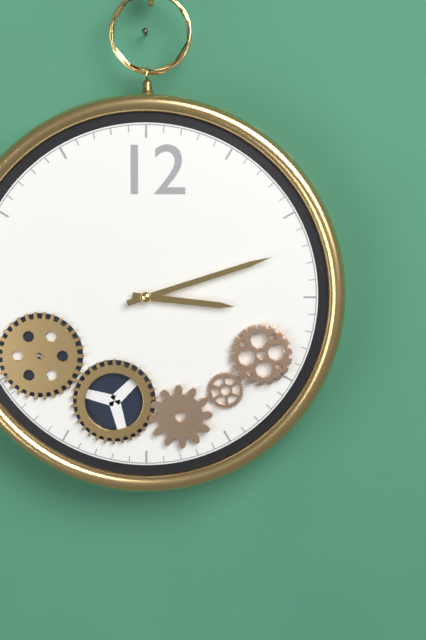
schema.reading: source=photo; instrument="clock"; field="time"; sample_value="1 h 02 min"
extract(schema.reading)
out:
3 h 12 min
